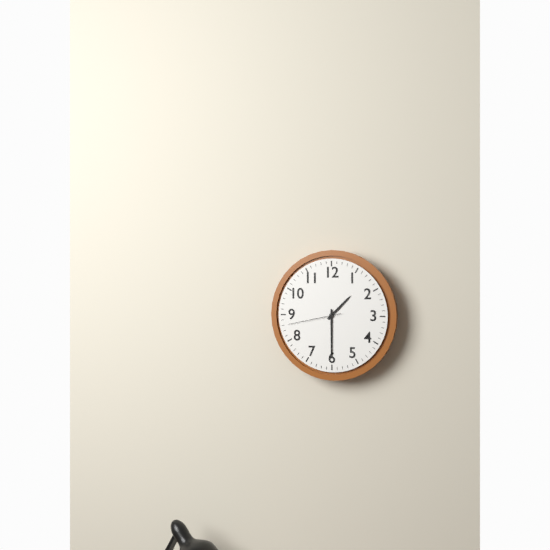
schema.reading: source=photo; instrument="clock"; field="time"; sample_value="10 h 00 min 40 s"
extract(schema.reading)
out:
1 h 30 min 43 s
